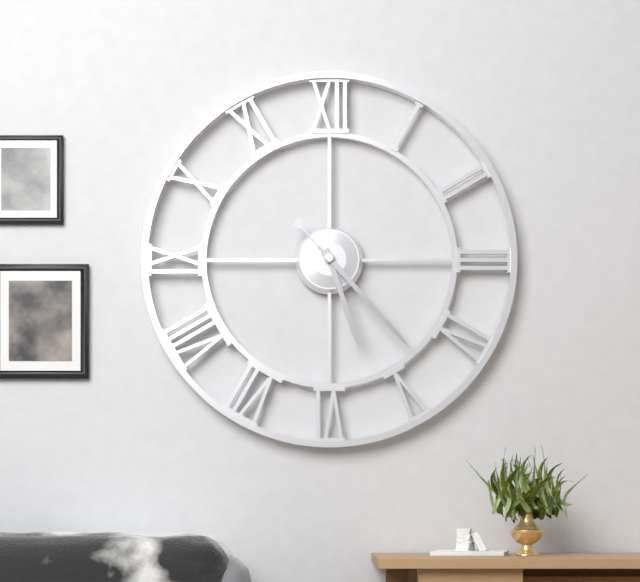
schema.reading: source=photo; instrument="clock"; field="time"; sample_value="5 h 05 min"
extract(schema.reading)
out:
5 h 23 min
